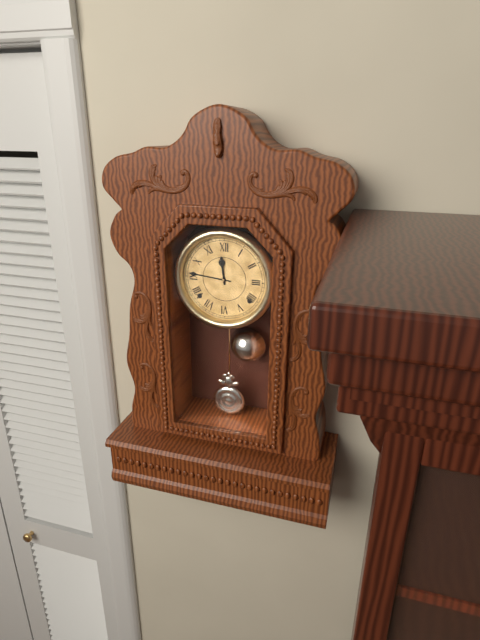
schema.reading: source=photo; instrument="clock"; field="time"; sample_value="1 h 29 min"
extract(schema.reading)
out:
11 h 46 min
